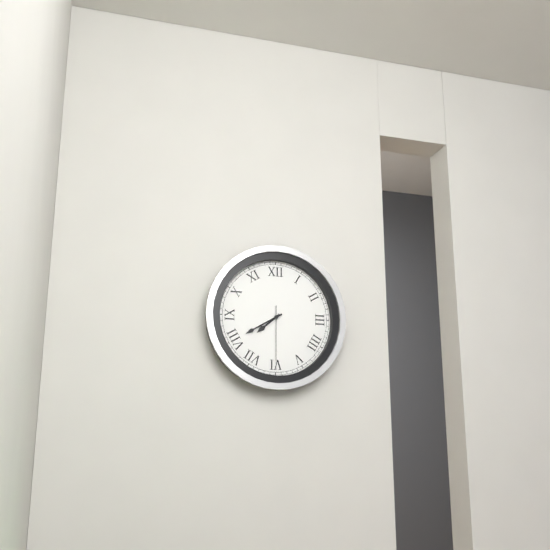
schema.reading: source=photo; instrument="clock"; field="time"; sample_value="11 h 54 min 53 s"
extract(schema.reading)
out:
7 h 40 min 30 s
